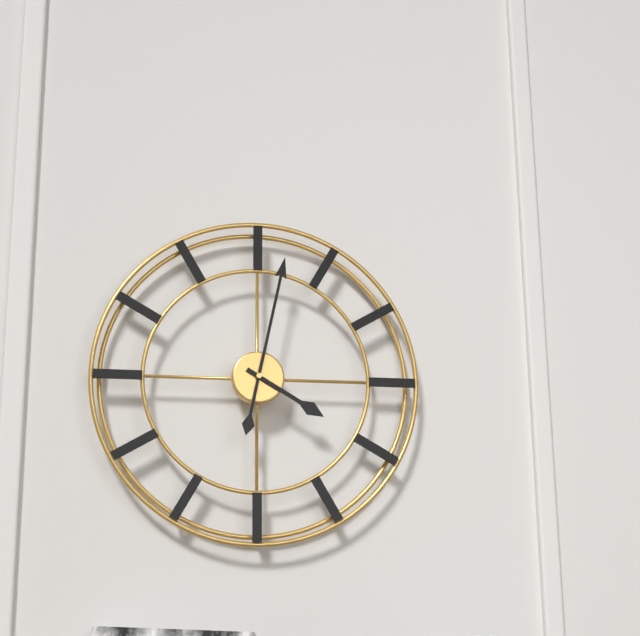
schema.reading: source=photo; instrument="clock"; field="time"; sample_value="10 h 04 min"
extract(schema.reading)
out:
4 h 02 min
